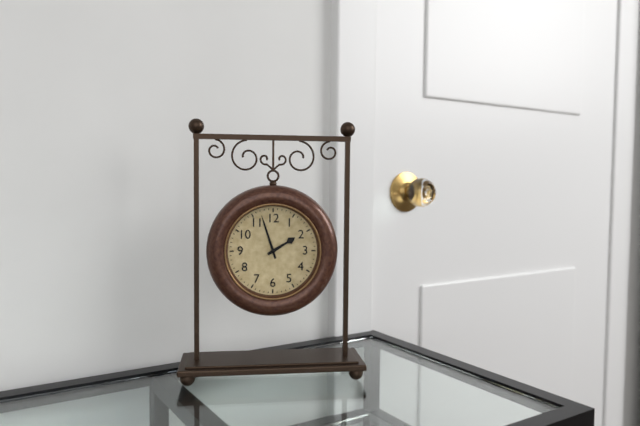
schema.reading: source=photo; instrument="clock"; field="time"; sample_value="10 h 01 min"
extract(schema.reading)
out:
1 h 57 min
